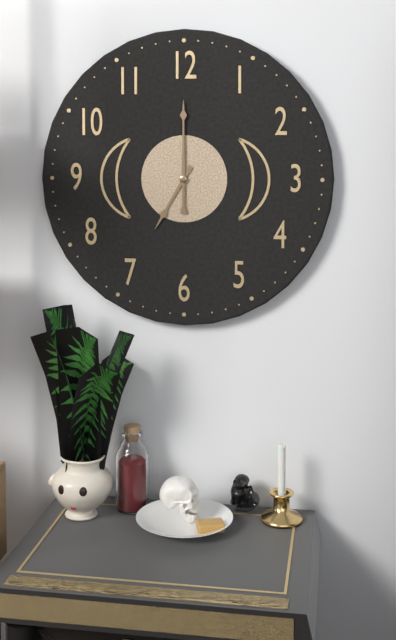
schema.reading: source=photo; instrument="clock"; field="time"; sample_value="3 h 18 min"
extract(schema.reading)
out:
7 h 00 min
